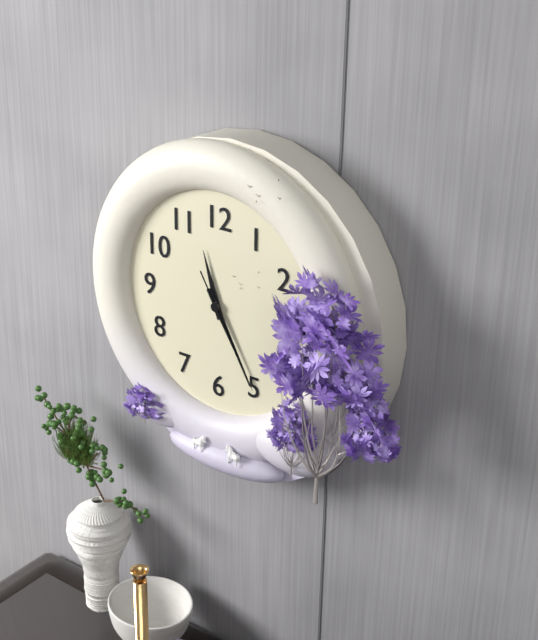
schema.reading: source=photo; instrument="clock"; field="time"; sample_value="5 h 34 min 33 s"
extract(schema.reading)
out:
11 h 25 min 25 s
